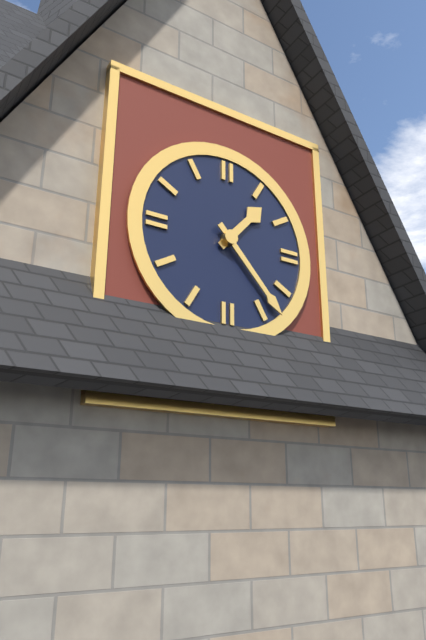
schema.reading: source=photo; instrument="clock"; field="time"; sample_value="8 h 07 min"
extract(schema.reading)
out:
1 h 23 min
